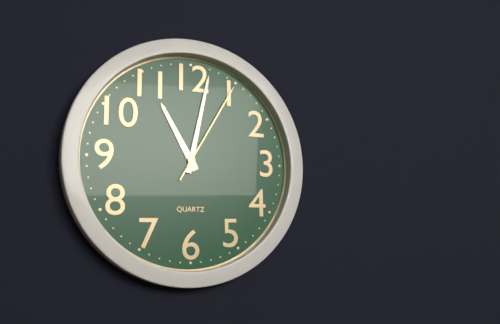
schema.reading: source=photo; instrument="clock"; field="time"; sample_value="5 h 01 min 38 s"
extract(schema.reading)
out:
11 h 02 min 05 s
